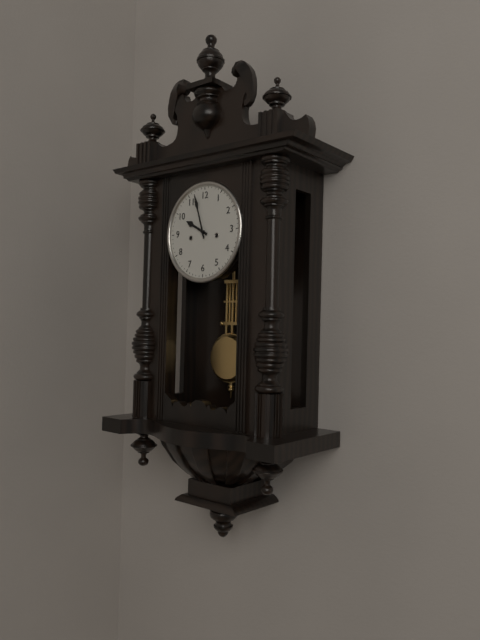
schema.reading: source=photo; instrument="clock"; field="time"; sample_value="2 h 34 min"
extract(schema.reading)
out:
9 h 57 min
